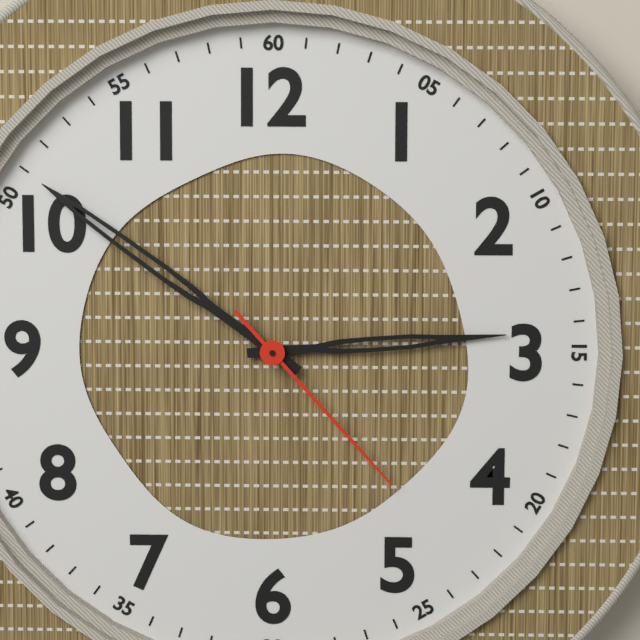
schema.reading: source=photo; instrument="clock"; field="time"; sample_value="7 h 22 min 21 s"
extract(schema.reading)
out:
2 h 51 min 23 s
